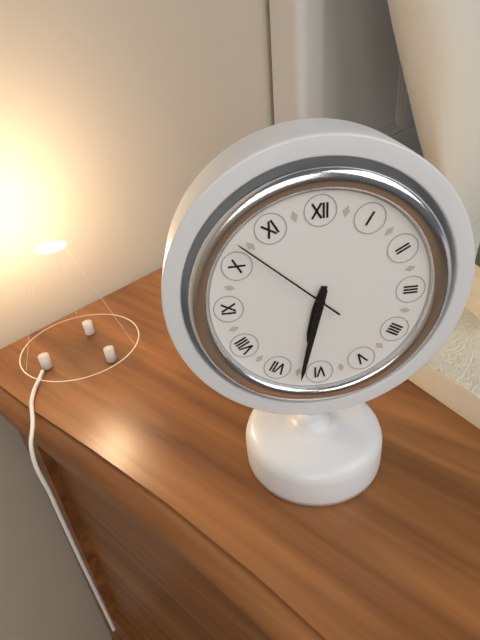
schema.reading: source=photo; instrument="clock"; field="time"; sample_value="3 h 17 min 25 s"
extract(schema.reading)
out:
6 h 32 min 52 s
